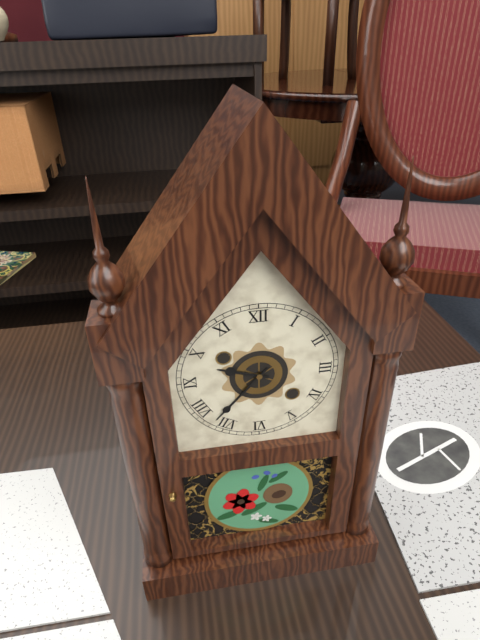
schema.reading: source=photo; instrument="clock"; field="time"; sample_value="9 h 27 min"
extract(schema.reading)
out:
9 h 37 min
